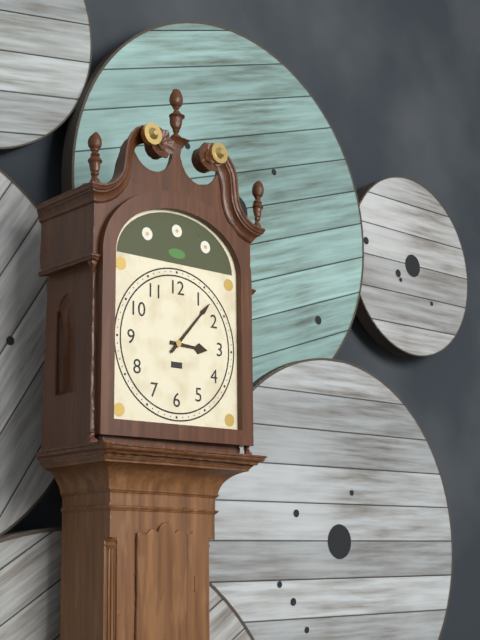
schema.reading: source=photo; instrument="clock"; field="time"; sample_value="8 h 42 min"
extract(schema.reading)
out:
3 h 07 min
